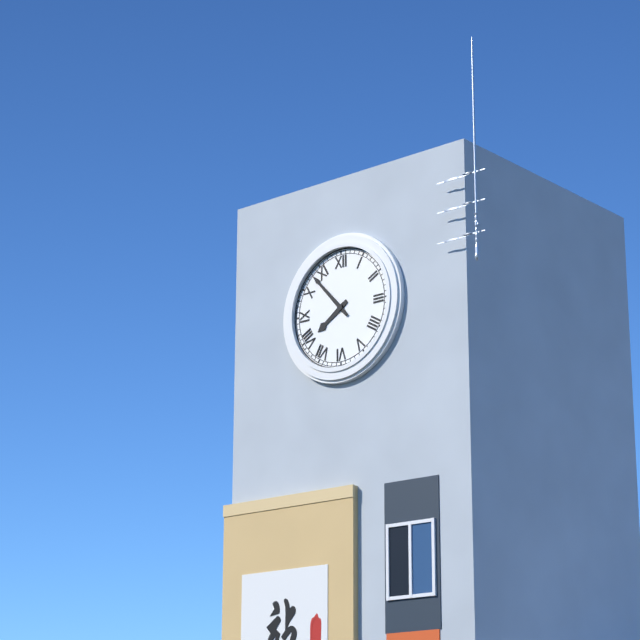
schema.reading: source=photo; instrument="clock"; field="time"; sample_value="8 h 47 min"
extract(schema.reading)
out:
7 h 53 min
